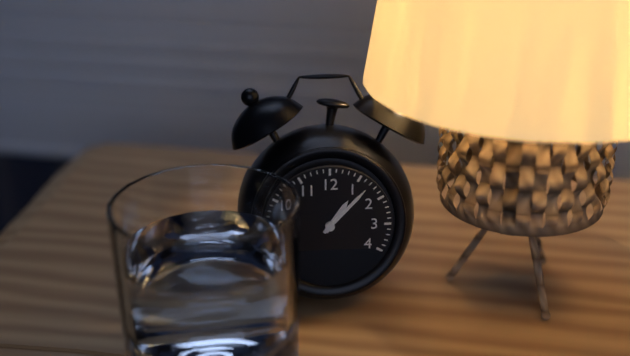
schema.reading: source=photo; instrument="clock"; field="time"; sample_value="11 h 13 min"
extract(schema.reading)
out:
1 h 07 min
